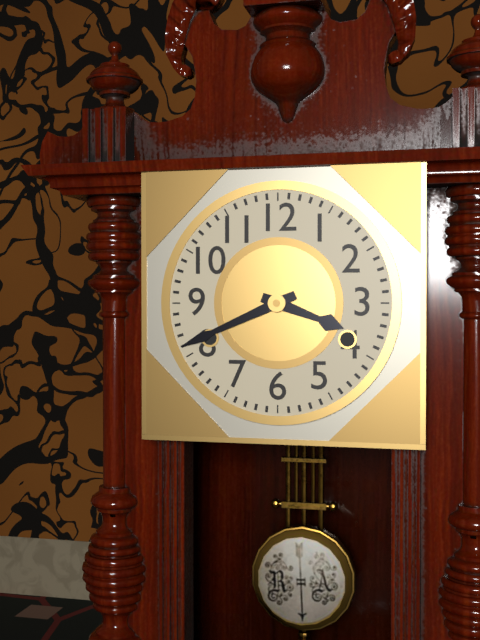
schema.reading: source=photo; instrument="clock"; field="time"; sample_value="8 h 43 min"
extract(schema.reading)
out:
3 h 41 min
